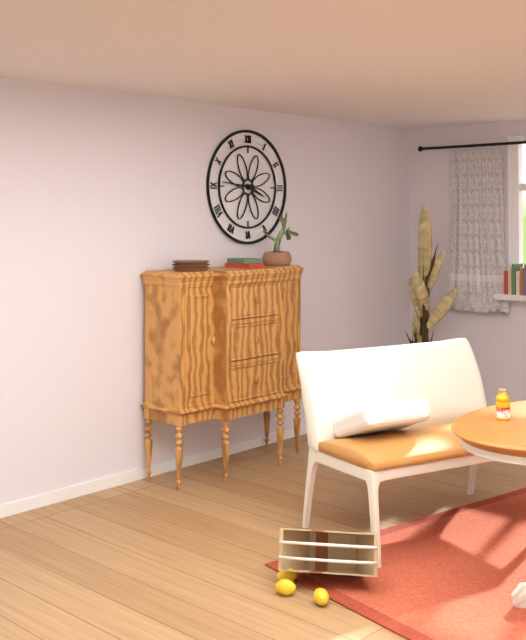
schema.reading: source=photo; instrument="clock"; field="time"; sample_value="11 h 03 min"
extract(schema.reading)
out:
3 h 46 min
